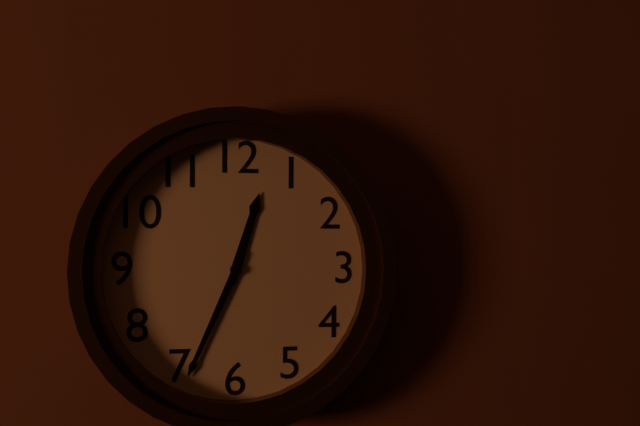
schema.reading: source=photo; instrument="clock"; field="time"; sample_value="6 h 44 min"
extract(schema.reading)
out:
12 h 34 min
